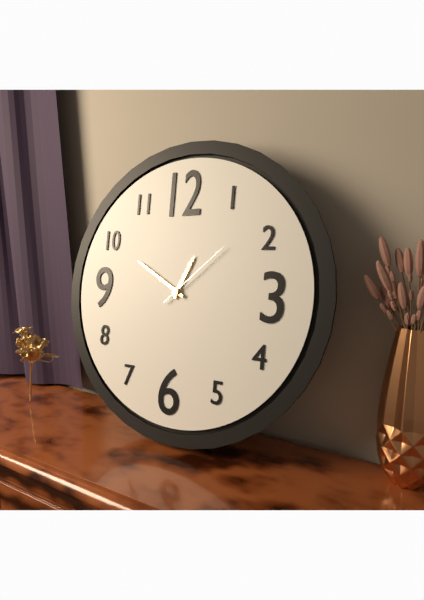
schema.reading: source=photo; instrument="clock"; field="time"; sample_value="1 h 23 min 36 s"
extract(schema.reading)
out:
12 h 50 min 08 s
